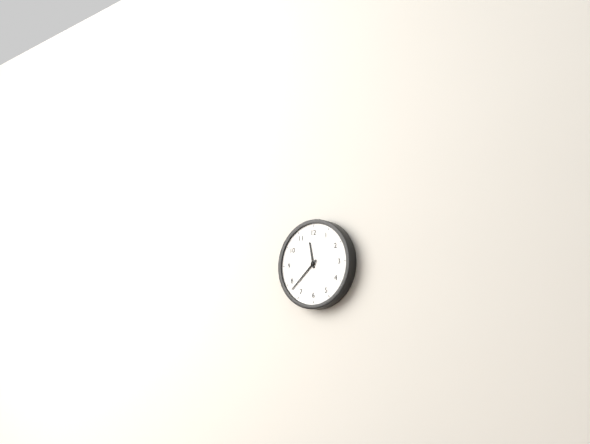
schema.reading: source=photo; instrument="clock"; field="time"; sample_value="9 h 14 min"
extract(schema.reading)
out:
11 h 38 min
